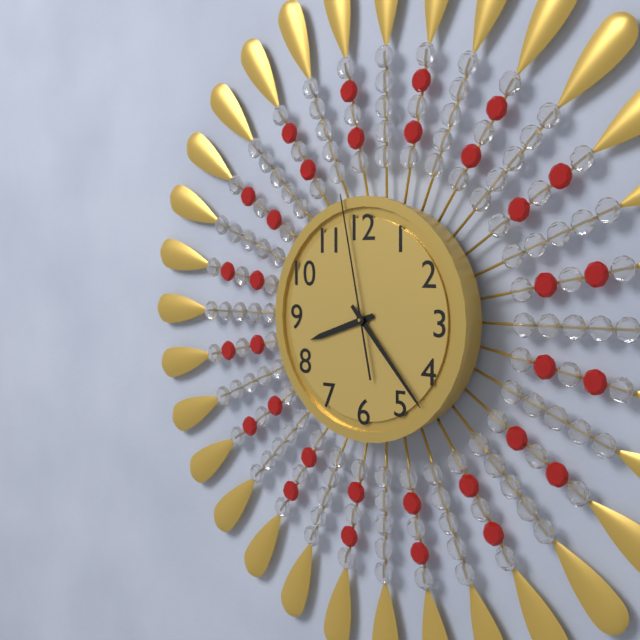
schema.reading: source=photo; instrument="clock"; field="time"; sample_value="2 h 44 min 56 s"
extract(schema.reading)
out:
8 h 23 min 58 s
